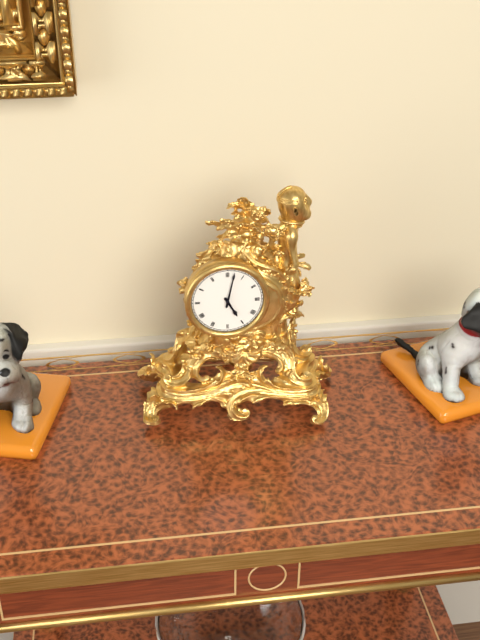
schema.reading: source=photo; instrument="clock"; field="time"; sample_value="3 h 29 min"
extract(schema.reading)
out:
5 h 02 min
